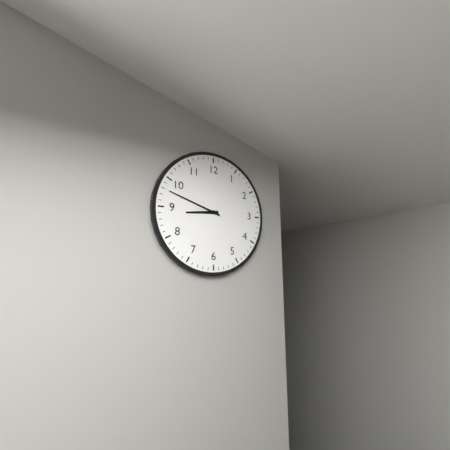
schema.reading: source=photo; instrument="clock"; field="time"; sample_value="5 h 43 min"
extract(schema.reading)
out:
8 h 48 min
